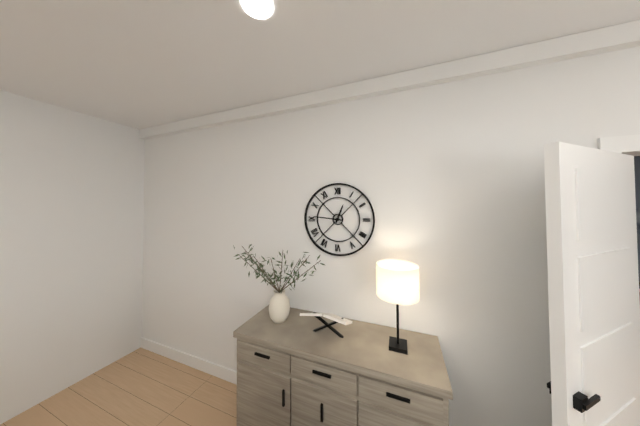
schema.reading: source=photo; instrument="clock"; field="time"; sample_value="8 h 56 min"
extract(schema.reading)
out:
12 h 46 min
